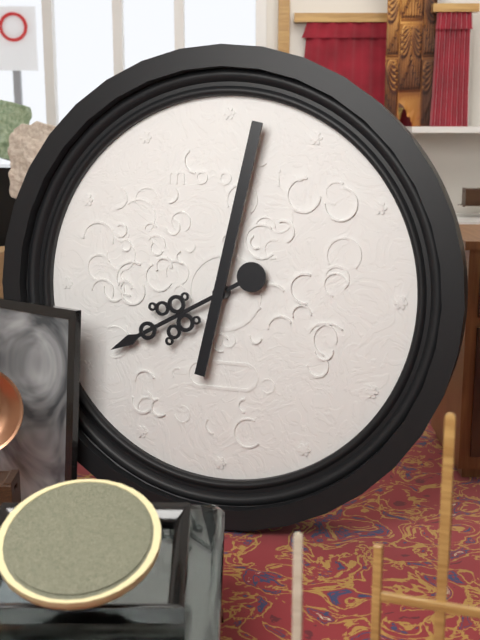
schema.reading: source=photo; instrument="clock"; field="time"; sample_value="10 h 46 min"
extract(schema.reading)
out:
8 h 02 min
